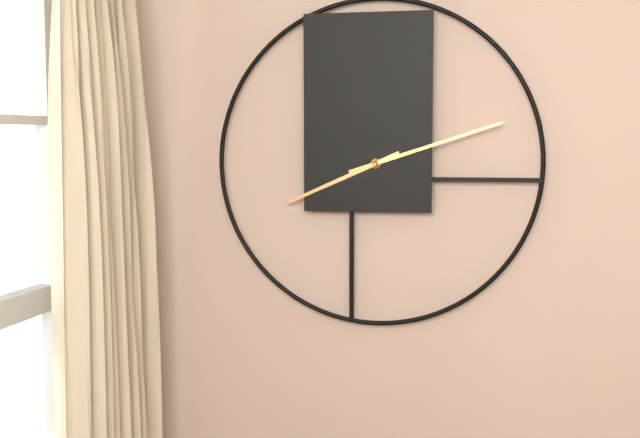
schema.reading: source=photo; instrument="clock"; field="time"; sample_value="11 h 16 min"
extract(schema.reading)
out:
8 h 12 min
